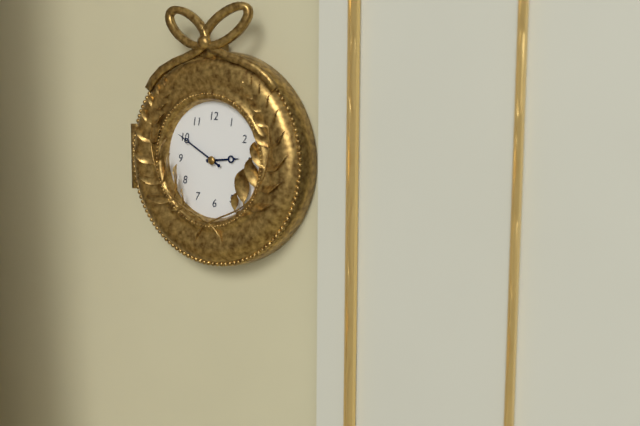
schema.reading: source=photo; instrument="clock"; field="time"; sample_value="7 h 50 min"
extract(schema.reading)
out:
2 h 50 min
